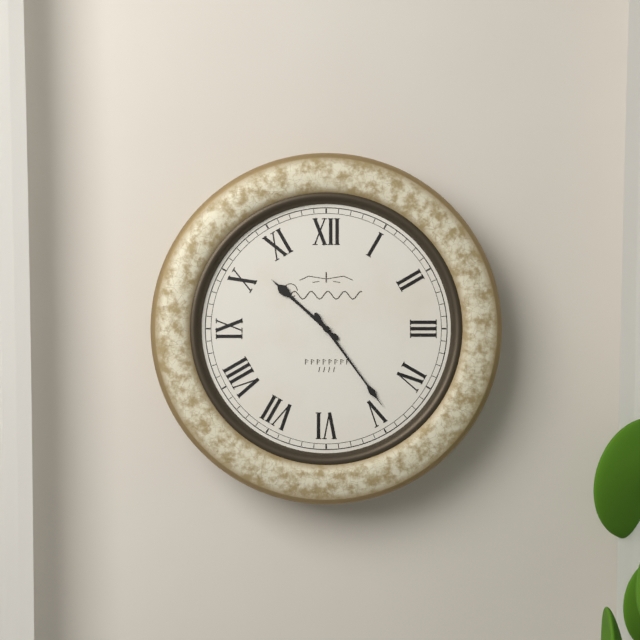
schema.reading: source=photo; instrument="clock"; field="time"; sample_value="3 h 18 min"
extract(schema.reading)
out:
10 h 24 min
